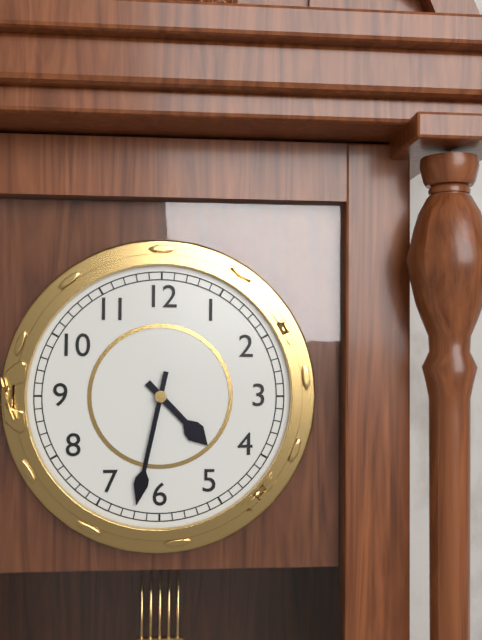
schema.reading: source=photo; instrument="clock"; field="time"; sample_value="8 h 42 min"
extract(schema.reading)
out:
4 h 32 min
